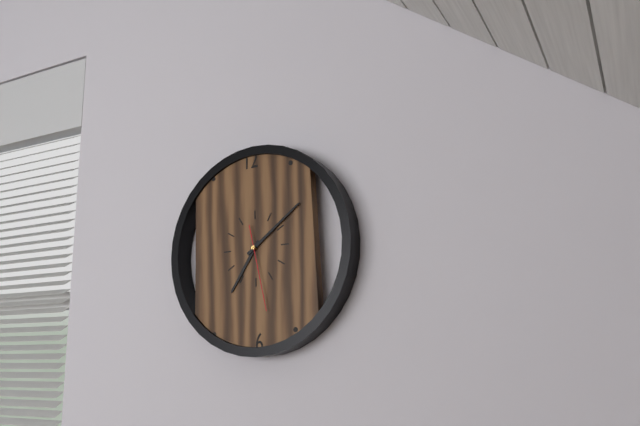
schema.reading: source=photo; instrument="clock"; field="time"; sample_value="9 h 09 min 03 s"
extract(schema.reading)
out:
7 h 09 min 28 s
